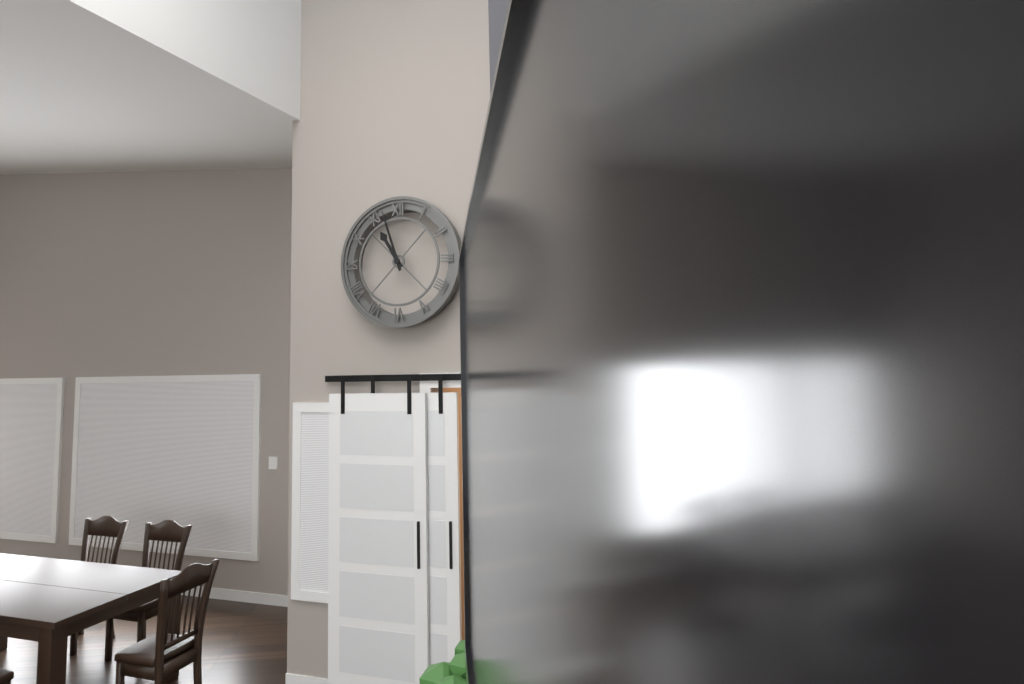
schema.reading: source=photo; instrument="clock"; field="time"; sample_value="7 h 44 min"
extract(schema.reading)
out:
10 h 57 min
